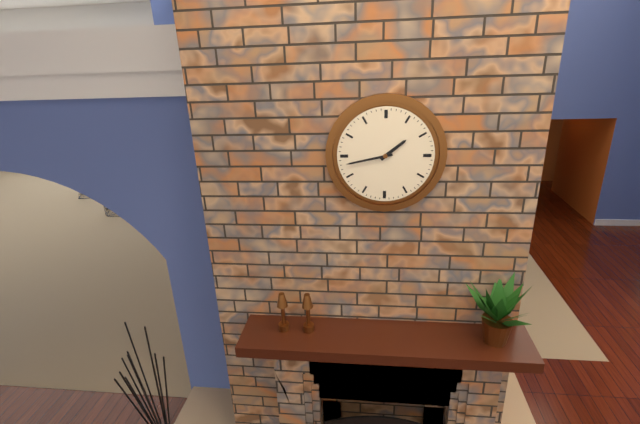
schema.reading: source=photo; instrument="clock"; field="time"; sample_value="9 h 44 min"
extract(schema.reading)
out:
1 h 43 min
